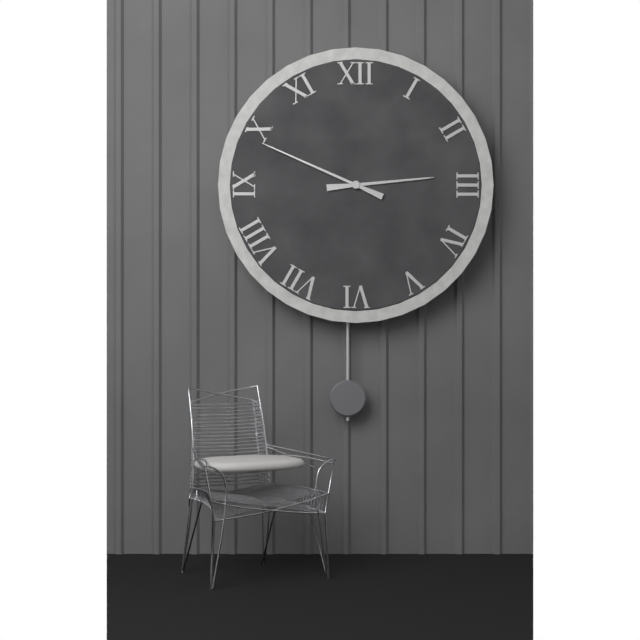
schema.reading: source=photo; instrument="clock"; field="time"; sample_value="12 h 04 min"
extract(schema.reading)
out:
2 h 49 min
